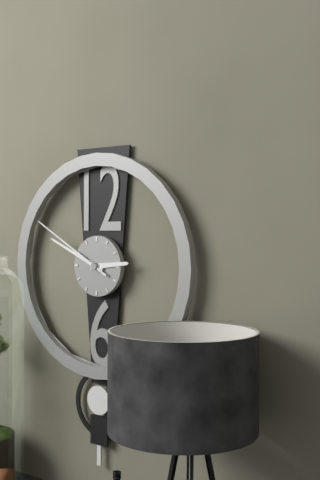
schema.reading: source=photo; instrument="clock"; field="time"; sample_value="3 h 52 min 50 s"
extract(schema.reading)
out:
2 h 49 min 50 s
